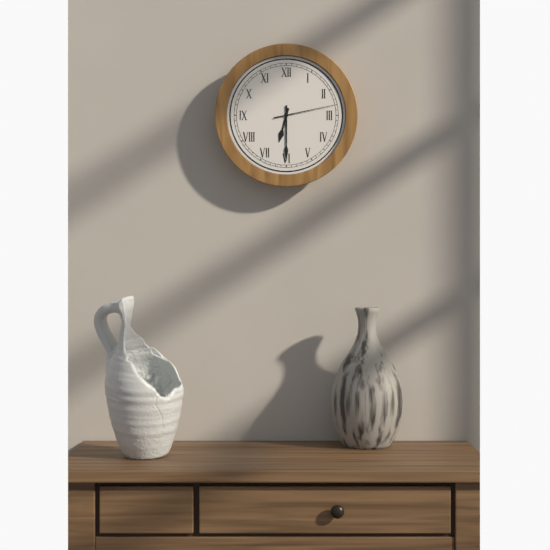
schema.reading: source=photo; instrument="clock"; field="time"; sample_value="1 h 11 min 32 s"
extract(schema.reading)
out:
6 h 30 min 13 s
